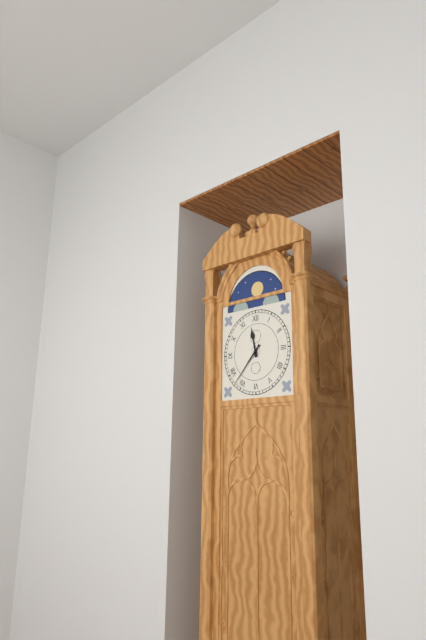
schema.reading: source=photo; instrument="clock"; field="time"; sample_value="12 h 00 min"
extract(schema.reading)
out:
11 h 37 min
